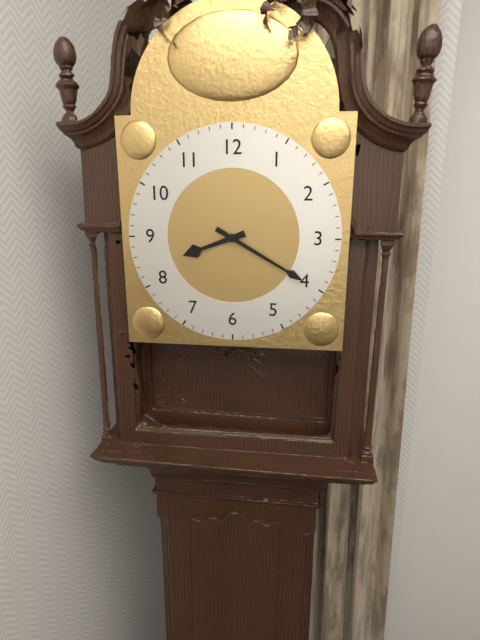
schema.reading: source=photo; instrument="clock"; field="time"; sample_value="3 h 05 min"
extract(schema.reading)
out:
8 h 20 min
